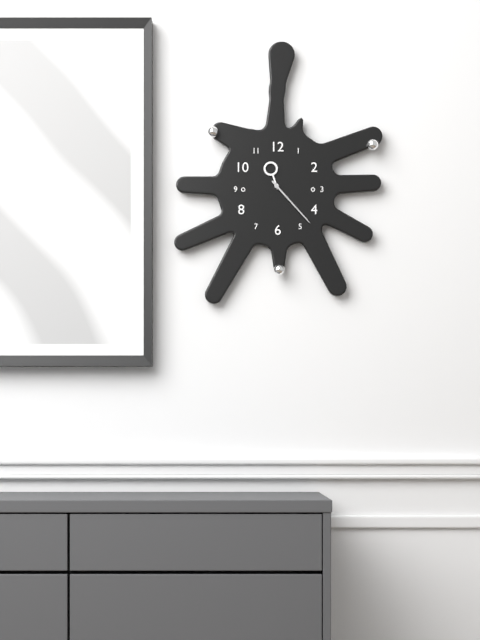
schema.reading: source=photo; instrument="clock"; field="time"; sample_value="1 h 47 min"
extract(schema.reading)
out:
11 h 23 min
